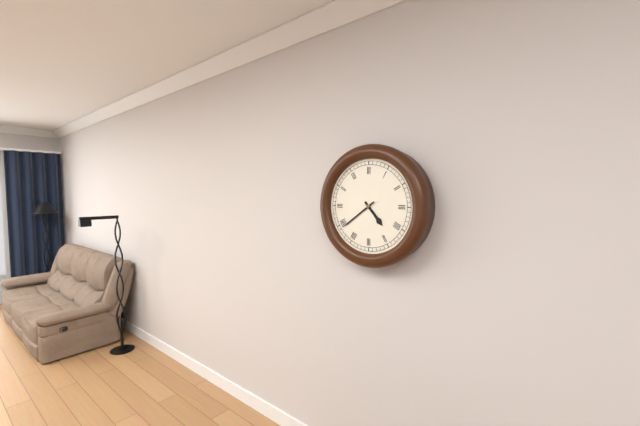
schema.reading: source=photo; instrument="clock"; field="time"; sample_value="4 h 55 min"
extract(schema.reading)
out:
4 h 39 min
